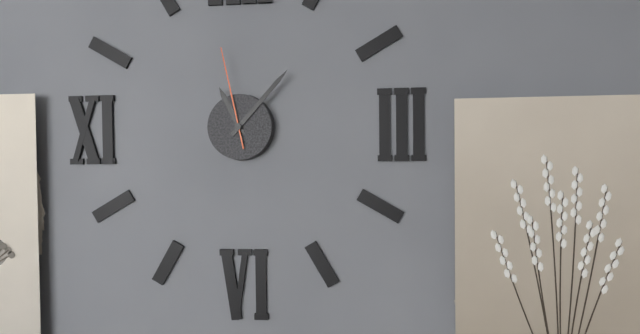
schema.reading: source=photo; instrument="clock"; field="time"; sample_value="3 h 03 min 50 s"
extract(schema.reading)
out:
11 h 07 min 58 s
